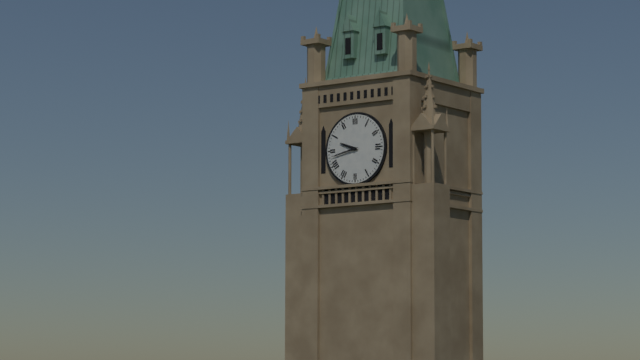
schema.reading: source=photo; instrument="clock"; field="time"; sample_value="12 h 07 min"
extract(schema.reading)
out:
9 h 43 min
